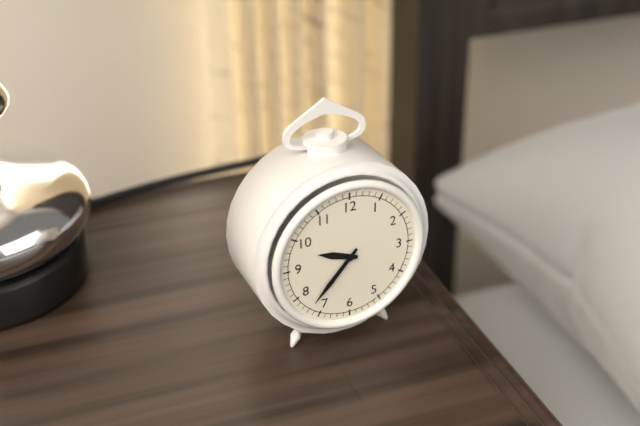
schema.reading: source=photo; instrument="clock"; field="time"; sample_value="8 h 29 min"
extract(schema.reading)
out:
9 h 37 min
